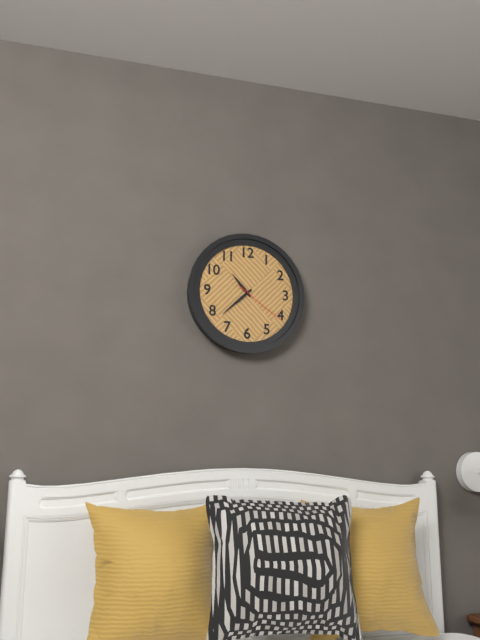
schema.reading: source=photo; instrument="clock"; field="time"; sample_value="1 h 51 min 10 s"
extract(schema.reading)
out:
10 h 38 min 21 s
